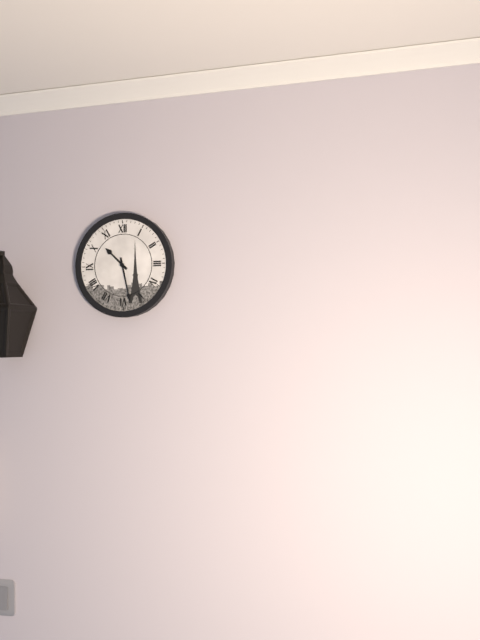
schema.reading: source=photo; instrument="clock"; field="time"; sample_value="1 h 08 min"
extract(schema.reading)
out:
10 h 28 min
